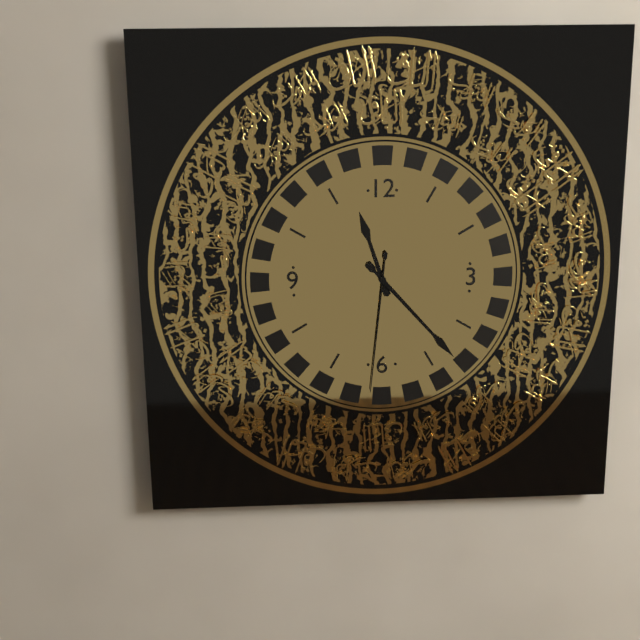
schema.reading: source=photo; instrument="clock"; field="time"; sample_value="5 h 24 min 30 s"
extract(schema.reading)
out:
11 h 23 min 31 s
